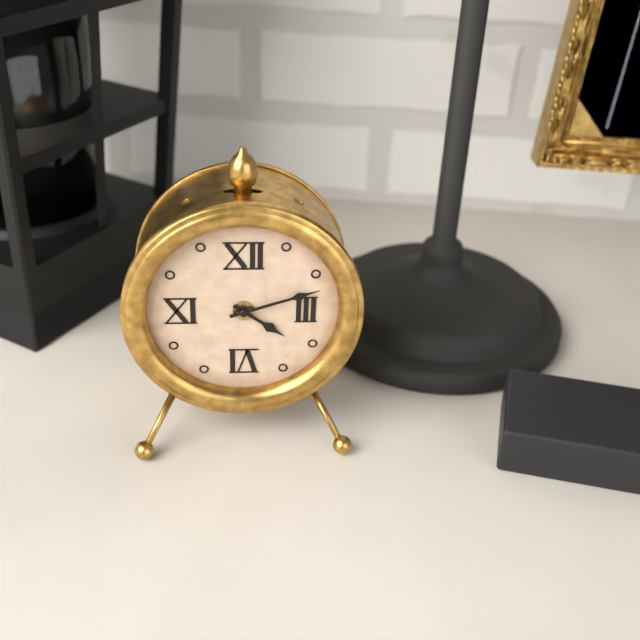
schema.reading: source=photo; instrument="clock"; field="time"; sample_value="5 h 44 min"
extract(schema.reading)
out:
4 h 12 min
